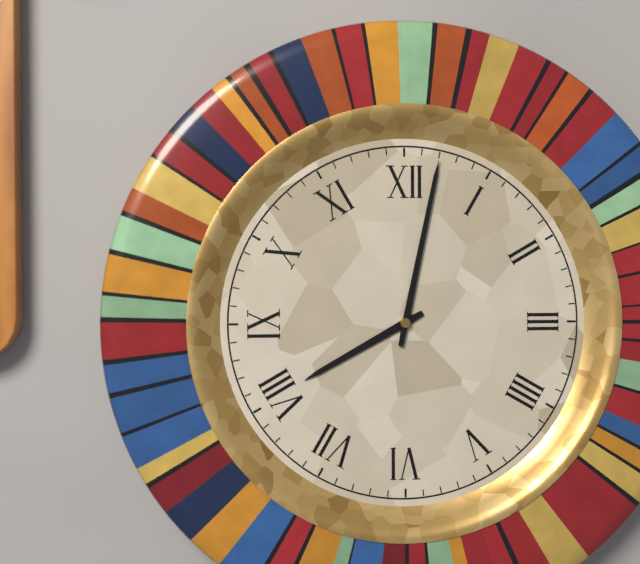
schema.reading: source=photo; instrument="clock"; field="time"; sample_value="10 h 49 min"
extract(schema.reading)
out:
8 h 02 min
